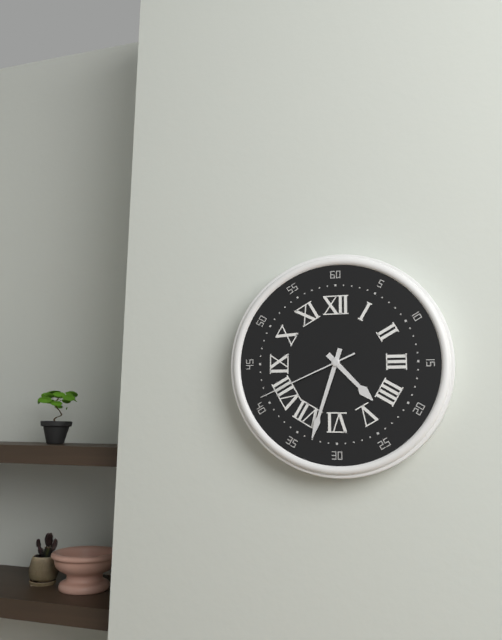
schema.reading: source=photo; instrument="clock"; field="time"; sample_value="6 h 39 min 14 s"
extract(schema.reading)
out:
4 h 33 min 41 s
